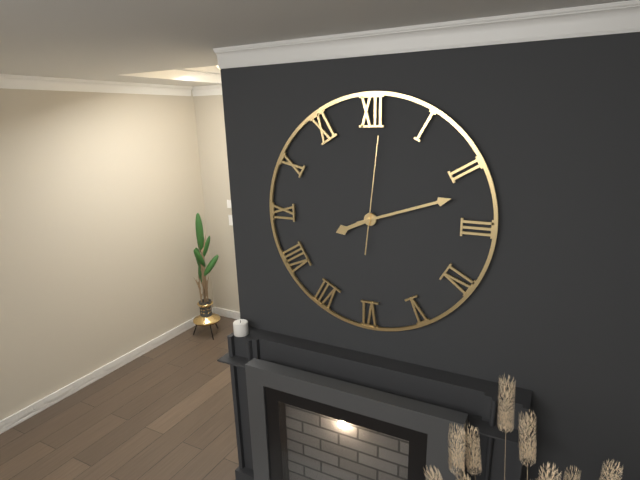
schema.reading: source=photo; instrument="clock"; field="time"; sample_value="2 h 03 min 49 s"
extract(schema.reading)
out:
8 h 12 min 01 s
